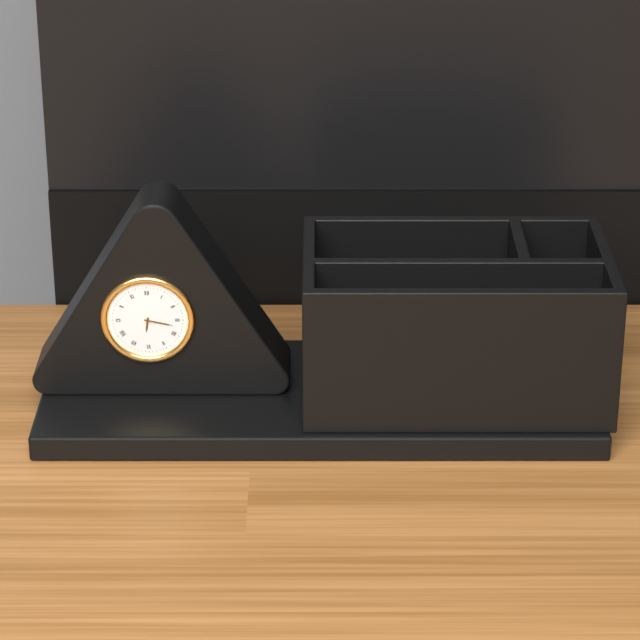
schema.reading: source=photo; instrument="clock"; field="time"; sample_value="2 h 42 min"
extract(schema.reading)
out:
6 h 17 min
